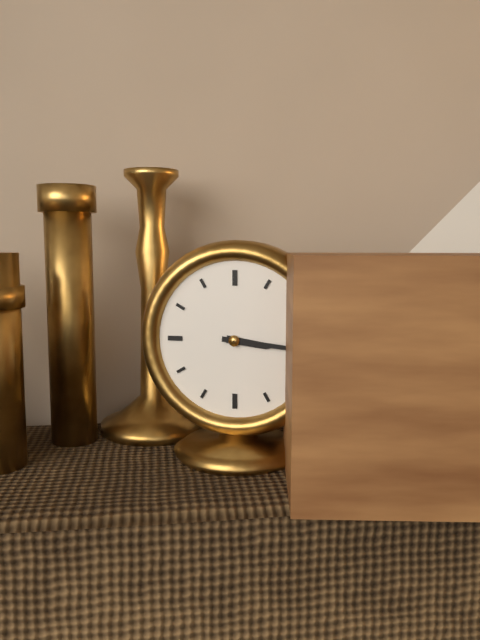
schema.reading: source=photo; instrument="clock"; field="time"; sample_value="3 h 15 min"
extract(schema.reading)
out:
3 h 16 min
